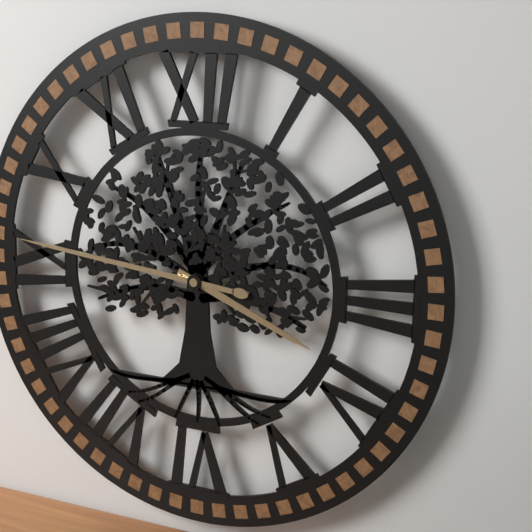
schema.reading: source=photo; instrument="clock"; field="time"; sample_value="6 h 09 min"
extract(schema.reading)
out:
3 h 46 min
